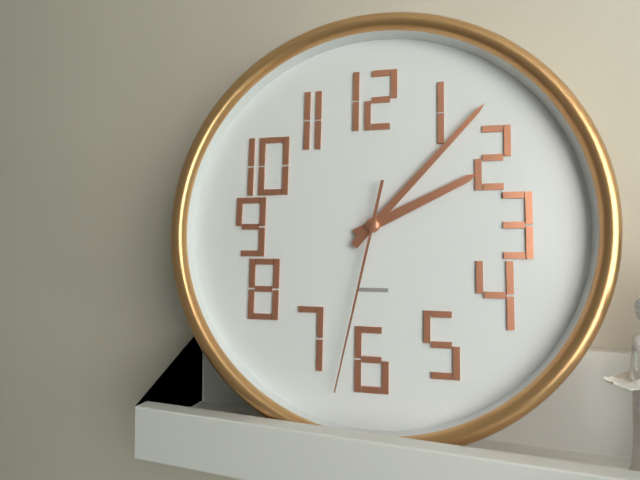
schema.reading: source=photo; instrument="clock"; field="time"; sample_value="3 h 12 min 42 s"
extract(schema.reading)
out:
2 h 07 min 32 s
